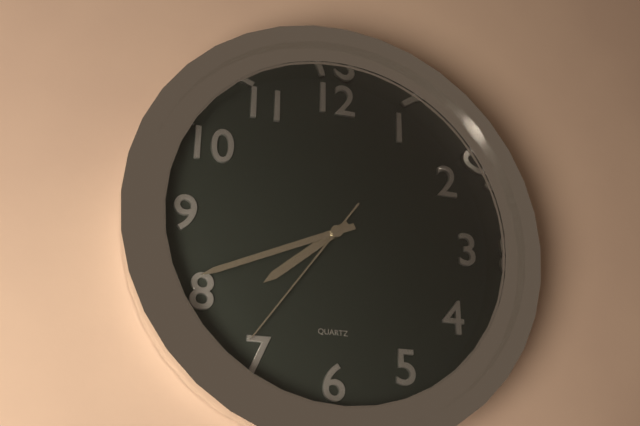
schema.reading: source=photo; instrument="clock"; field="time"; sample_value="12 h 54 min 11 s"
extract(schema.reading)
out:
7 h 41 min 36 s
